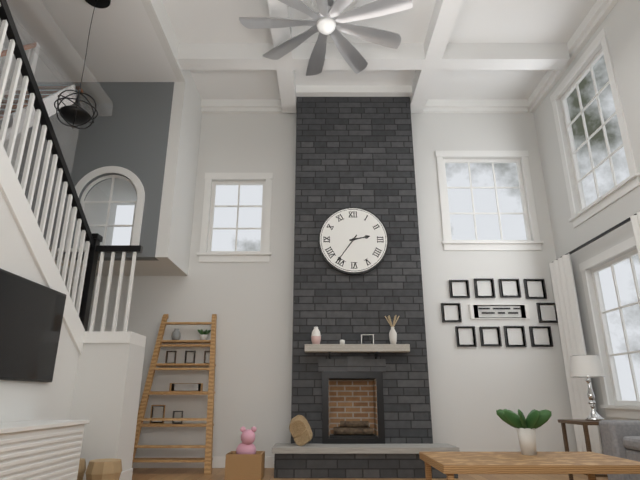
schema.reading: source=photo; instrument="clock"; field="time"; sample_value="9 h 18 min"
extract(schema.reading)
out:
2 h 36 min
